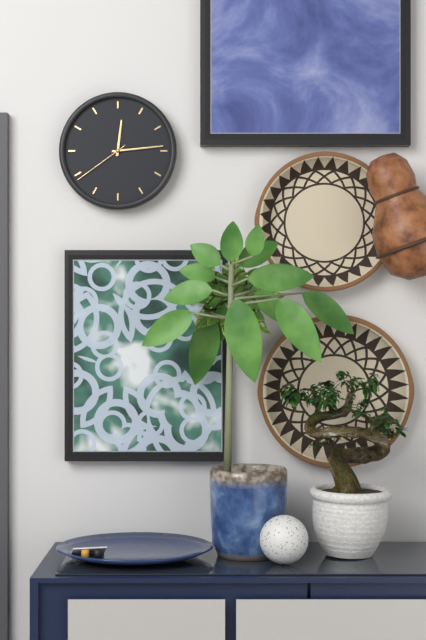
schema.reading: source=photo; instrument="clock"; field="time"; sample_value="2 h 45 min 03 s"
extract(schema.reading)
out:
12 h 14 min 39 s
